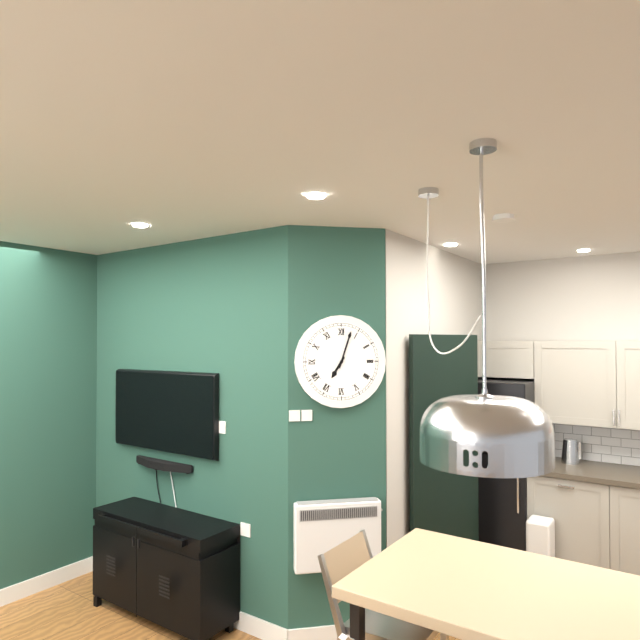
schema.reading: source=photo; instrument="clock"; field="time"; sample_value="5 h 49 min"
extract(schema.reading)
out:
7 h 03 min
